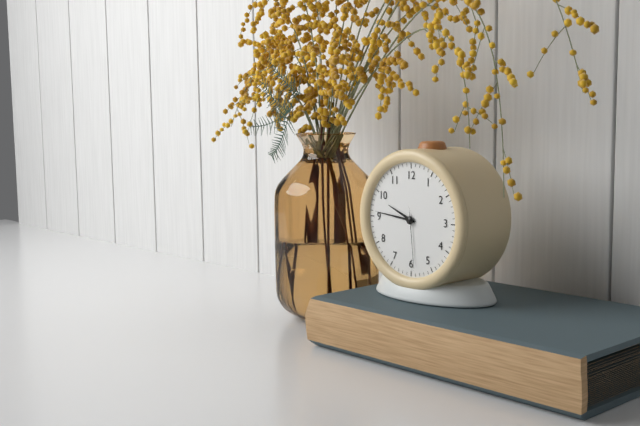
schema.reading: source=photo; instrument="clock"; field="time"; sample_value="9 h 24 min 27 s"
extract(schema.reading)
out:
9 h 46 min 29 s
